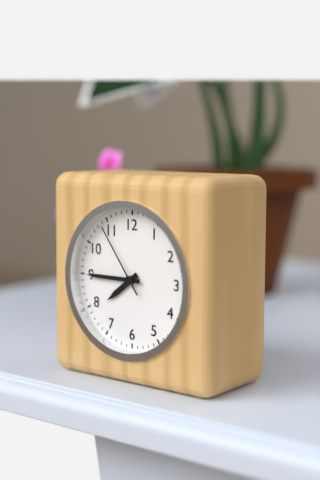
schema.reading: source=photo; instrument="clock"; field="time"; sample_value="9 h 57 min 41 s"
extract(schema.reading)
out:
7 h 45 min 54 s
